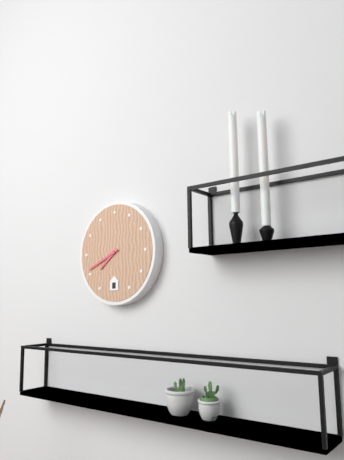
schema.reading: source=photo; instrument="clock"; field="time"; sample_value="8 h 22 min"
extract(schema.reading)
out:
7 h 41 min
